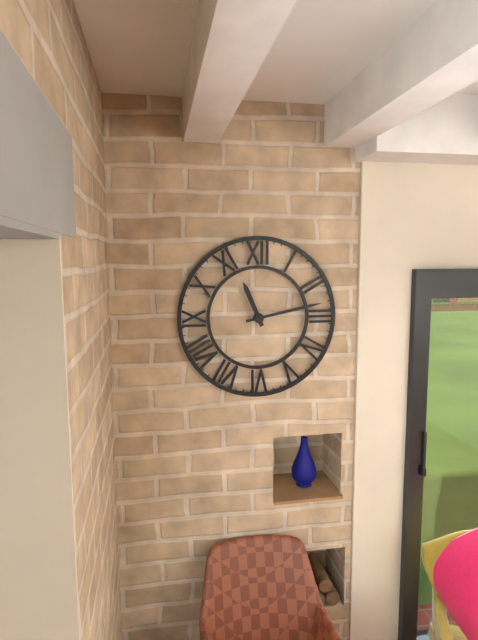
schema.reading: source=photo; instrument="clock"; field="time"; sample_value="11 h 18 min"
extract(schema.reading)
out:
11 h 13 min
